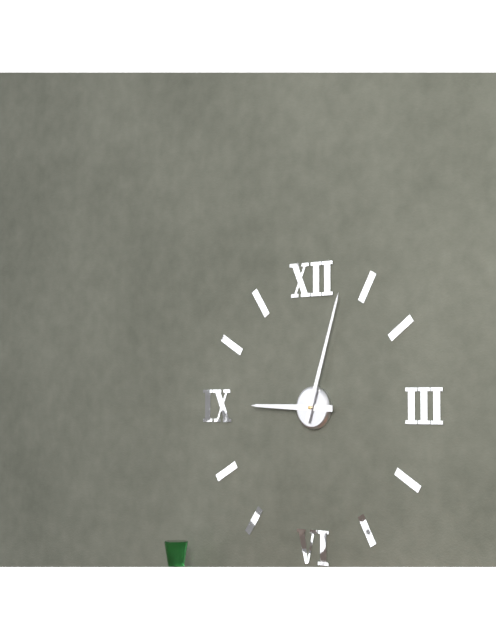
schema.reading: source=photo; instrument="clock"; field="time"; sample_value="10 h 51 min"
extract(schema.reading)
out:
9 h 03 min
